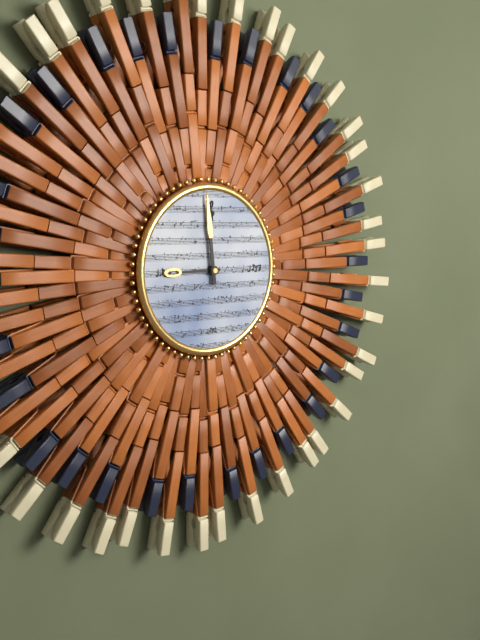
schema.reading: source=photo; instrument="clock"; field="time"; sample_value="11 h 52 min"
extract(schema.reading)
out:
8 h 59 min
